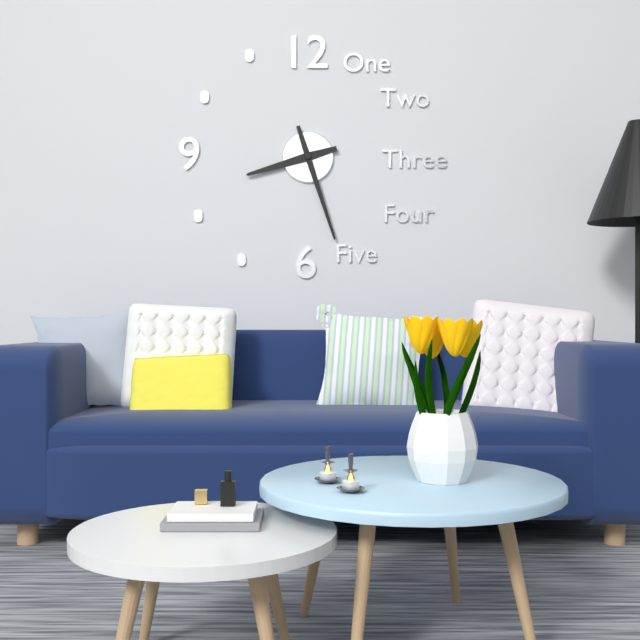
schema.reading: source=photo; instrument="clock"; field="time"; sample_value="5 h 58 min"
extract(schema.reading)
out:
8 h 27 min
